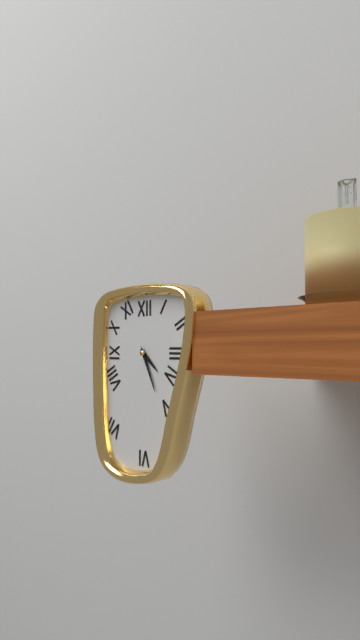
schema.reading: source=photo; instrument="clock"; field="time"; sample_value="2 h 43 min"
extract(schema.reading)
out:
4 h 26 min
